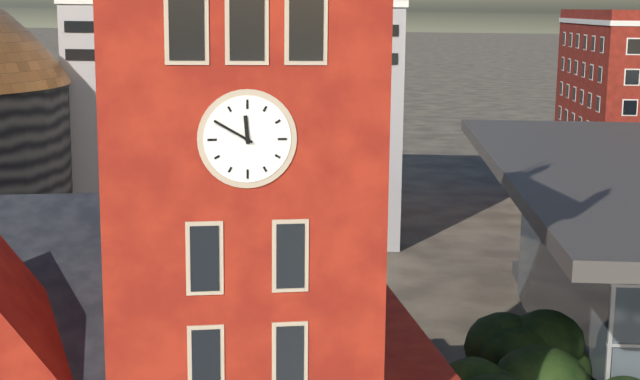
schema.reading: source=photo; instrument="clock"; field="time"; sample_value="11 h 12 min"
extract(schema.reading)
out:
11 h 50 min
